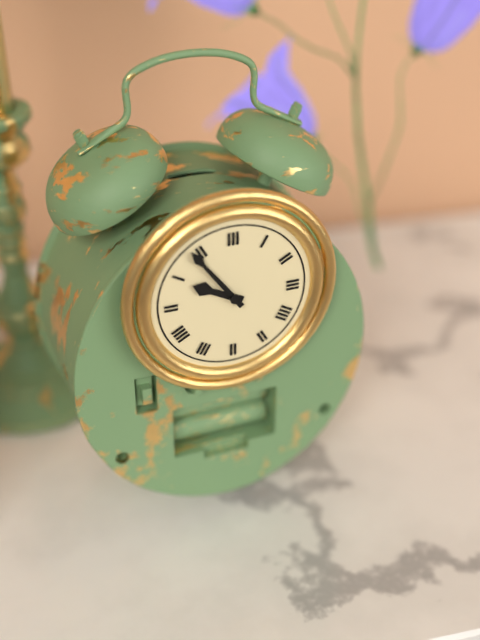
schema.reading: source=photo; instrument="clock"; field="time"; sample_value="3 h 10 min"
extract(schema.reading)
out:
9 h 54 min
